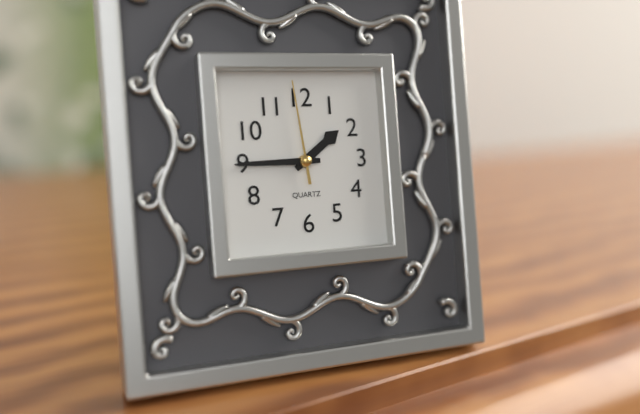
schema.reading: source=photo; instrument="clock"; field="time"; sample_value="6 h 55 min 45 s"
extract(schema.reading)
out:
1 h 45 min 59 s
